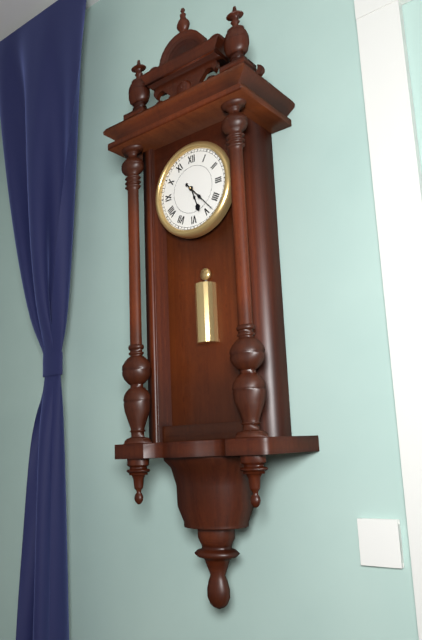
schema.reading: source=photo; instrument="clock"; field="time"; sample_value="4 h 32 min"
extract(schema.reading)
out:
5 h 23 min
